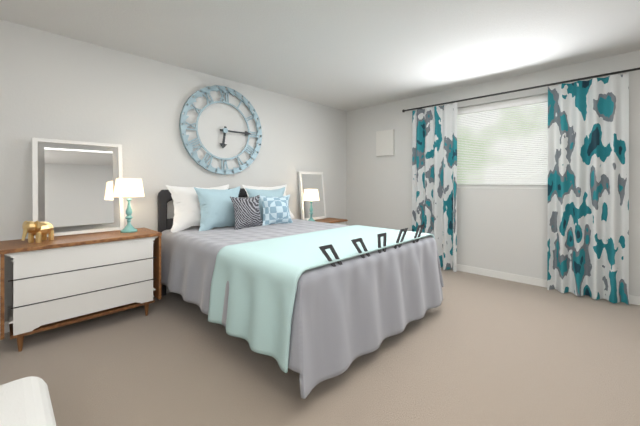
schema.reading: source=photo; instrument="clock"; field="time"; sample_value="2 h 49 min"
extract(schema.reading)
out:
6 h 15 min
